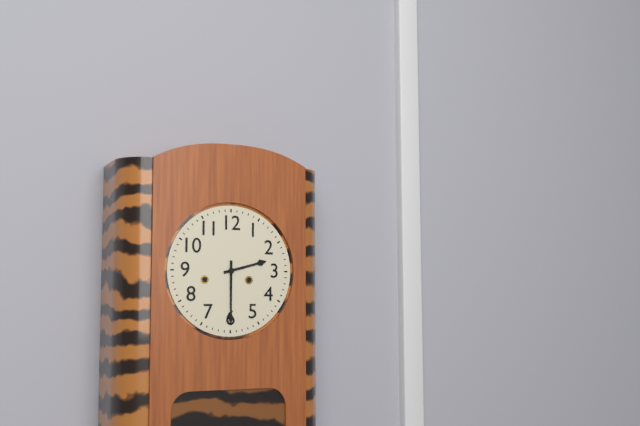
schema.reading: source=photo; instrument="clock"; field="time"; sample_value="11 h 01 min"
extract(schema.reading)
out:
2 h 30 min
